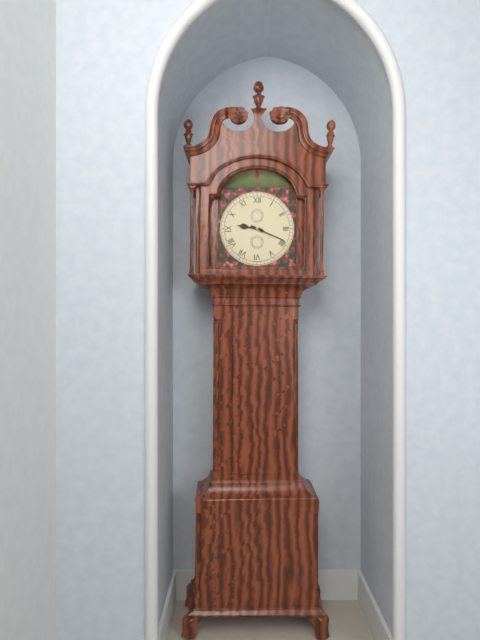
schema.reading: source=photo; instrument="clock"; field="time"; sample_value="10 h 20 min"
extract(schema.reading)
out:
9 h 19 min
